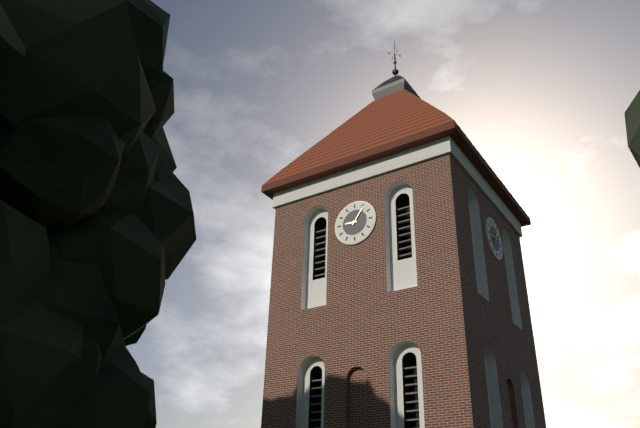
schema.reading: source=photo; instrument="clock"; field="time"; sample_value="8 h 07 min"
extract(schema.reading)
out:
9 h 06 min
